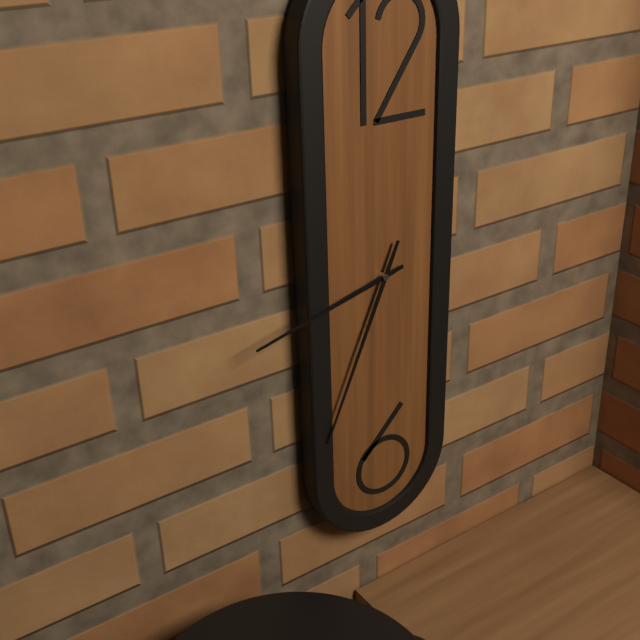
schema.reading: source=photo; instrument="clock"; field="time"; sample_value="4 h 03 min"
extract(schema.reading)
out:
8 h 34 min
